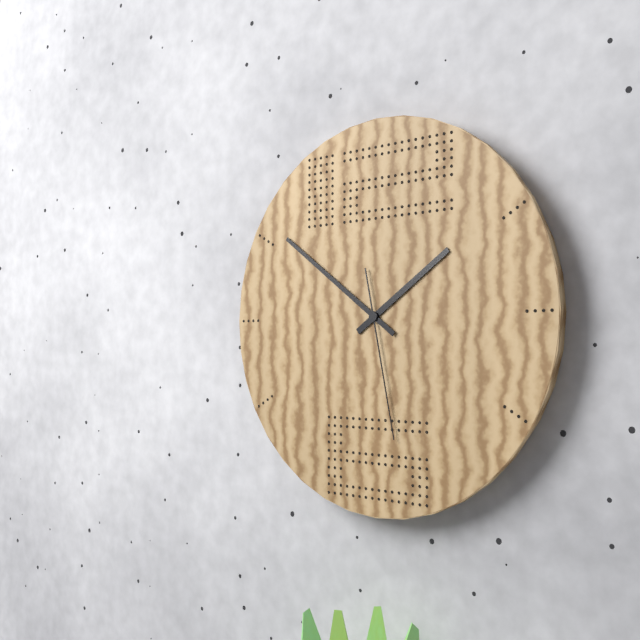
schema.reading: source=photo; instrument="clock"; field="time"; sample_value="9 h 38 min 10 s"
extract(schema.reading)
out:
1 h 51 min 28 s
